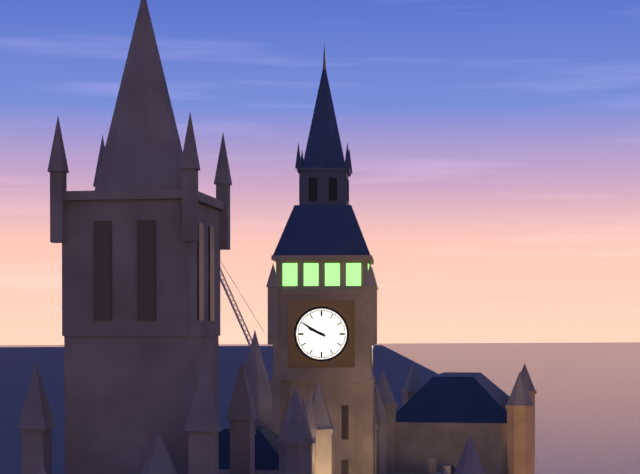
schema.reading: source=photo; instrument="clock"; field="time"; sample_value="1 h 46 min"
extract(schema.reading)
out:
9 h 50 min
